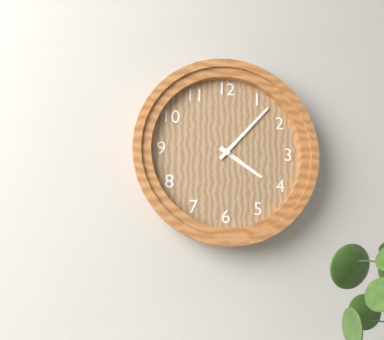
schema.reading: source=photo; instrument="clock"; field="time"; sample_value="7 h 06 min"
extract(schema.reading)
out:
4 h 07 min
